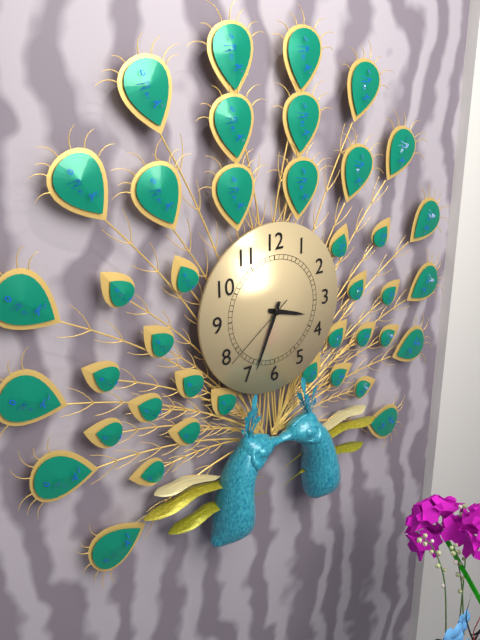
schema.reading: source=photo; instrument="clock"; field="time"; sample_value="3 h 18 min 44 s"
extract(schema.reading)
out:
3 h 34 min 39 s
